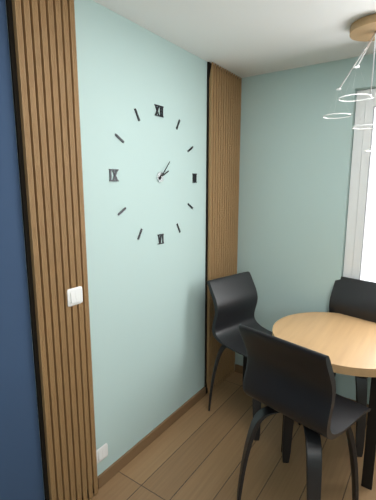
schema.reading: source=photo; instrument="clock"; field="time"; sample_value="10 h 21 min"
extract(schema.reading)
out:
2 h 07 min
